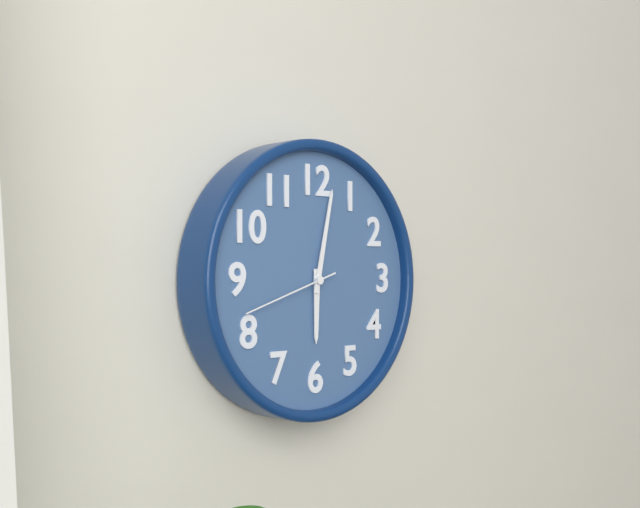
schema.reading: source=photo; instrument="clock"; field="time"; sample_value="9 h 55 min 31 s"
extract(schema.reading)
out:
6 h 02 min 42 s
